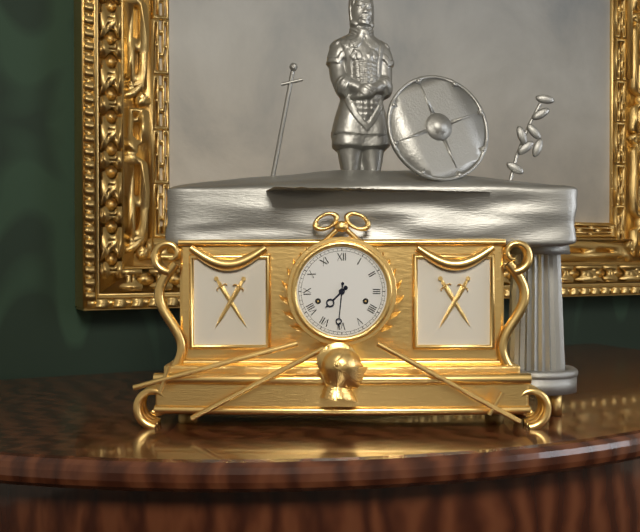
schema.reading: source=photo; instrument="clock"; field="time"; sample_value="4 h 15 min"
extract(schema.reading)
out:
7 h 31 min
